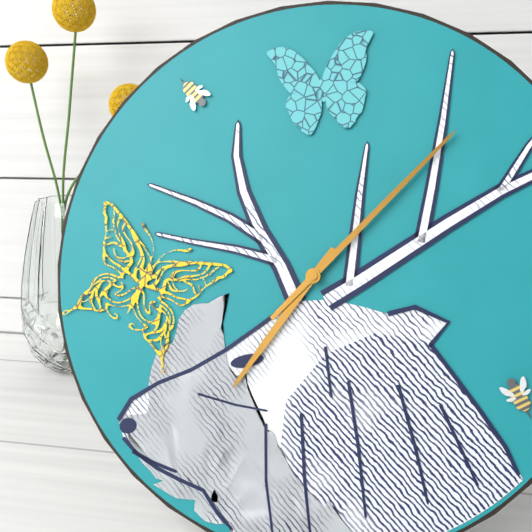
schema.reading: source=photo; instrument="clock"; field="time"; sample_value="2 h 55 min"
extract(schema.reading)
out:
7 h 07 min
